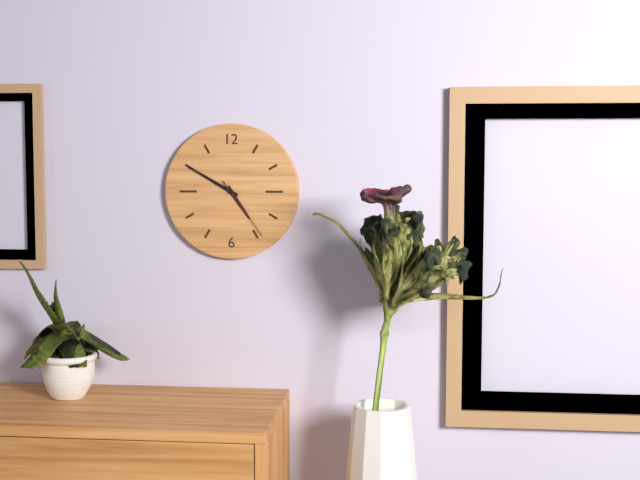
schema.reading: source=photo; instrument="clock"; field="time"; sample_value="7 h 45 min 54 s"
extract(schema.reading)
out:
4 h 50 min 24 s
